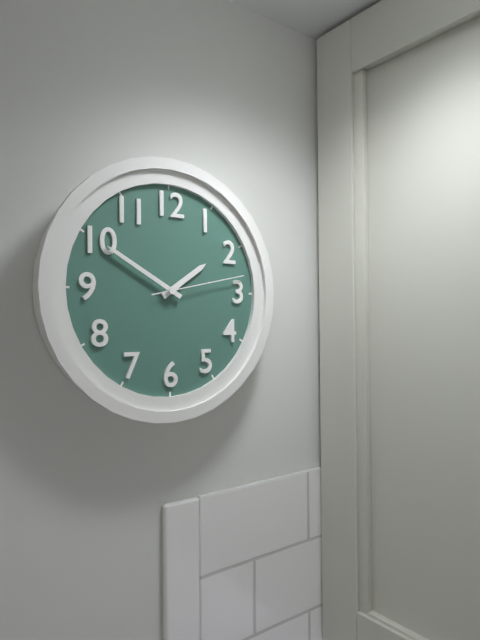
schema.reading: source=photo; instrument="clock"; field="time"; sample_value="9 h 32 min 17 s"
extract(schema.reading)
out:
1 h 50 min 13 s
